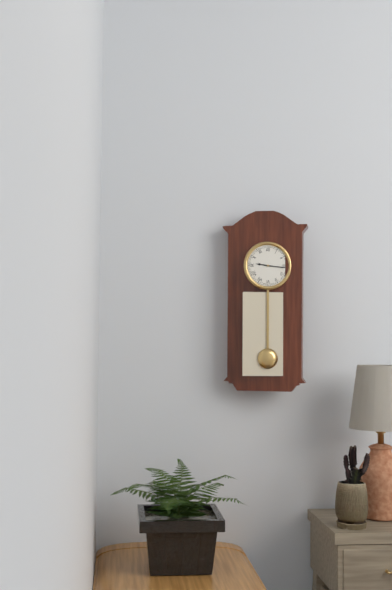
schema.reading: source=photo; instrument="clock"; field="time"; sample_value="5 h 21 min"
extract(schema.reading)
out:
9 h 16 min
